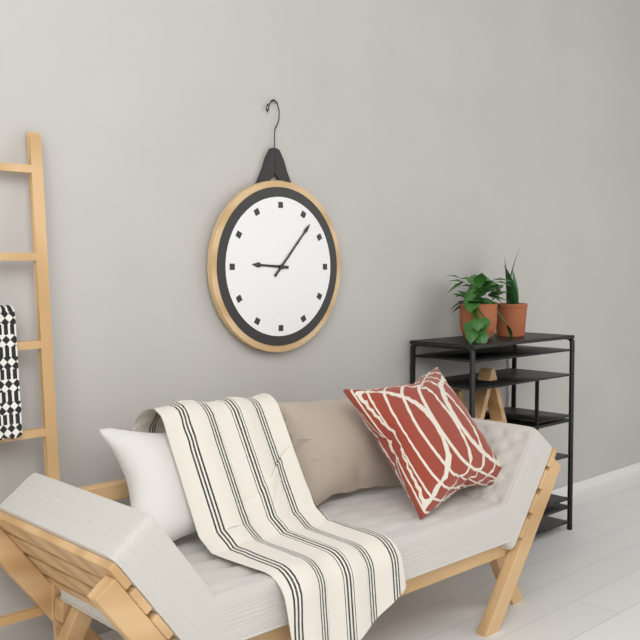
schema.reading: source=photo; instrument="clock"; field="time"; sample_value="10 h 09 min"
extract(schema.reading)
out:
9 h 07 min
